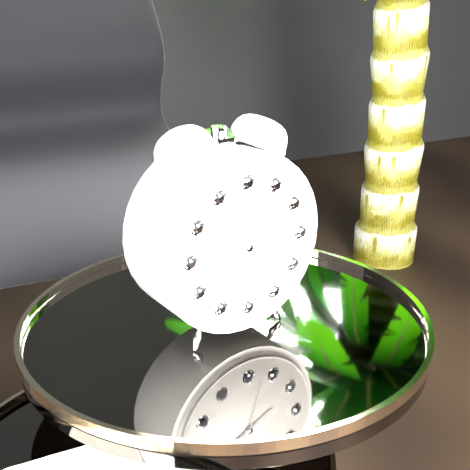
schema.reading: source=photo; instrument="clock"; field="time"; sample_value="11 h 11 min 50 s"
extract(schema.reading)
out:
3 h 49 min 27 s
